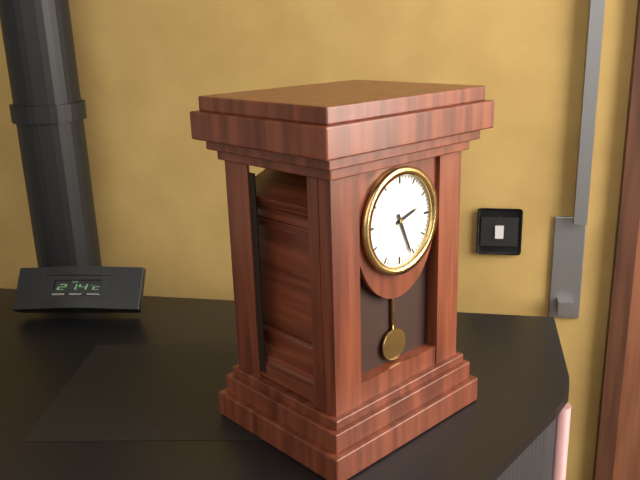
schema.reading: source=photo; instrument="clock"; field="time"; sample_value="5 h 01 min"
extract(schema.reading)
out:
2 h 26 min
